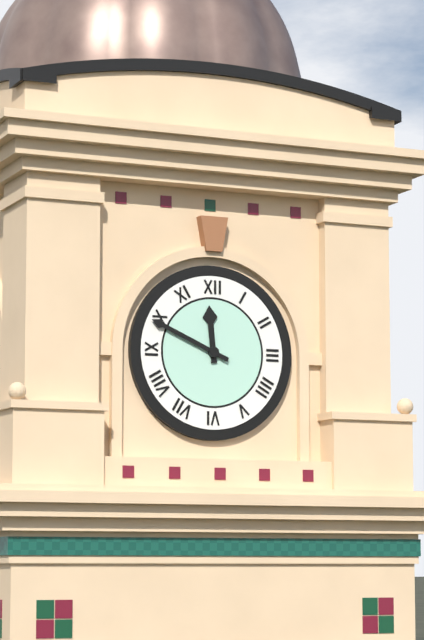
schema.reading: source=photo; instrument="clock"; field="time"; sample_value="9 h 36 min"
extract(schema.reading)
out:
11 h 49 min
